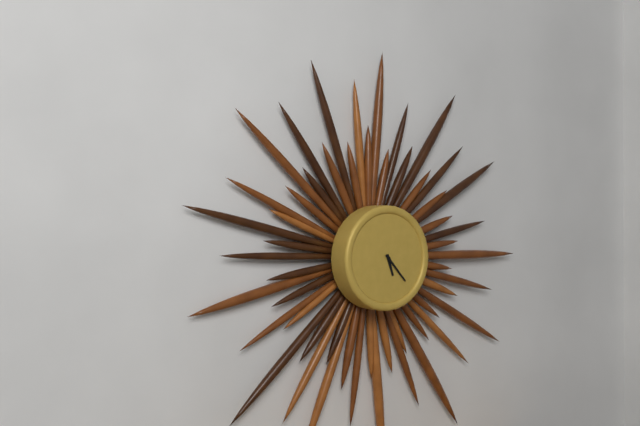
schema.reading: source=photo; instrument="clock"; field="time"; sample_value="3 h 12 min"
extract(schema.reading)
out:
5 h 23 min
